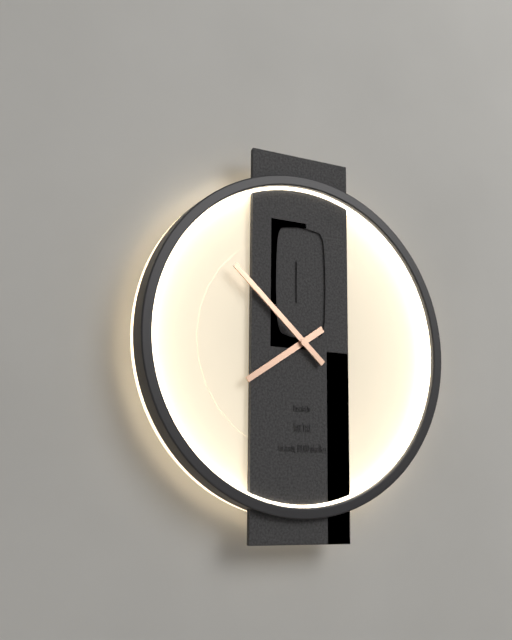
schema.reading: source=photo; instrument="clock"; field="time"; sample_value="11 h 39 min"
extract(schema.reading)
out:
7 h 52 min
